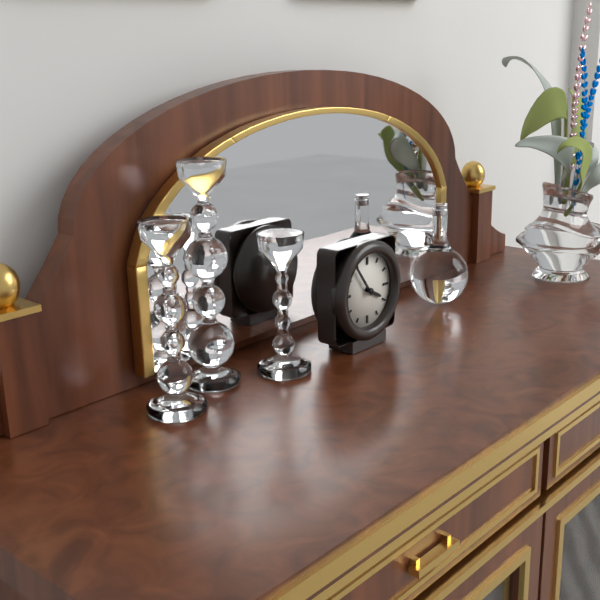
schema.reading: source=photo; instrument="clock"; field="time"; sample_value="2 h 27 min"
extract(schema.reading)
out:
3 h 54 min
